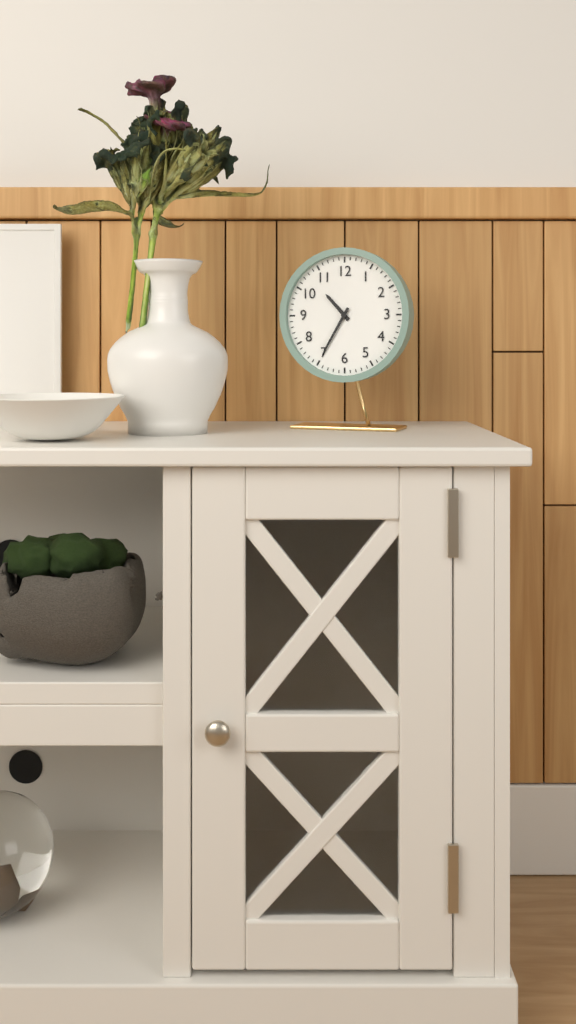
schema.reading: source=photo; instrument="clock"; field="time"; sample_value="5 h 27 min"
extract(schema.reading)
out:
10 h 35 min
